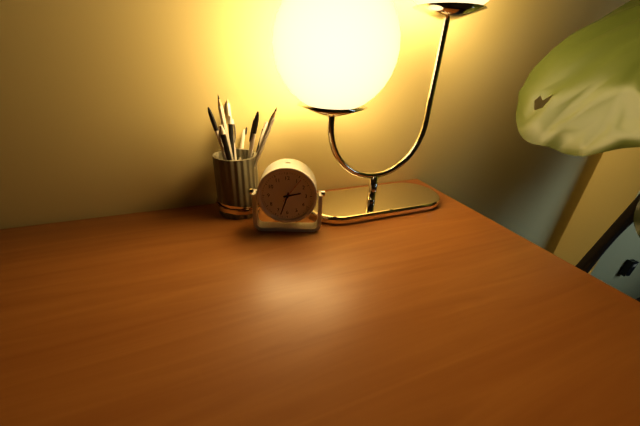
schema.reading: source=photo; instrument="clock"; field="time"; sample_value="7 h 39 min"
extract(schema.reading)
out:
2 h 33 min
